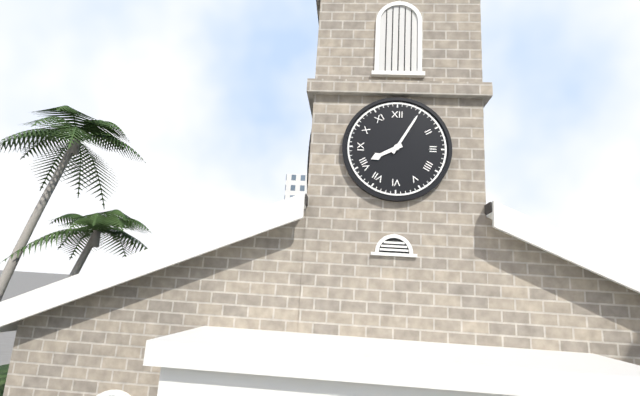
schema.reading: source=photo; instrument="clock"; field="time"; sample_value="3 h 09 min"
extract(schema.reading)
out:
8 h 05 min
